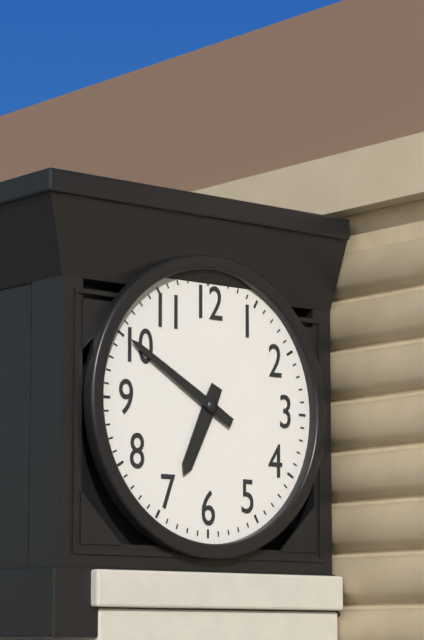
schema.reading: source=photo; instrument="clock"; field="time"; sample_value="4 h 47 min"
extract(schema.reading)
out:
6 h 50 min
